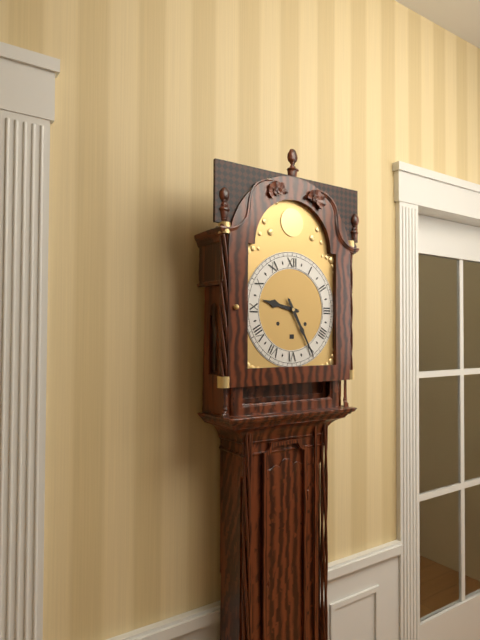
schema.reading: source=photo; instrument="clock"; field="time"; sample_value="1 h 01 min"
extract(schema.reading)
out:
9 h 25 min
